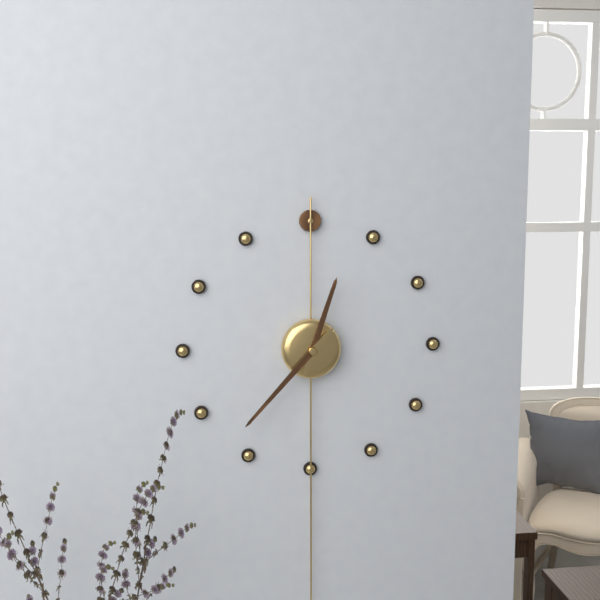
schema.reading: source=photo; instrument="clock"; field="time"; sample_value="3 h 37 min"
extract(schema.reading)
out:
12 h 37 min
